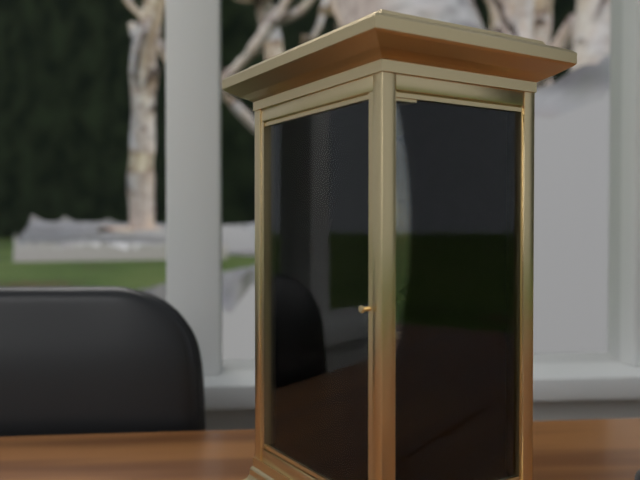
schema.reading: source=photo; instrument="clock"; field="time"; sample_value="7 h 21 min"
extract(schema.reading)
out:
5 h 16 min
